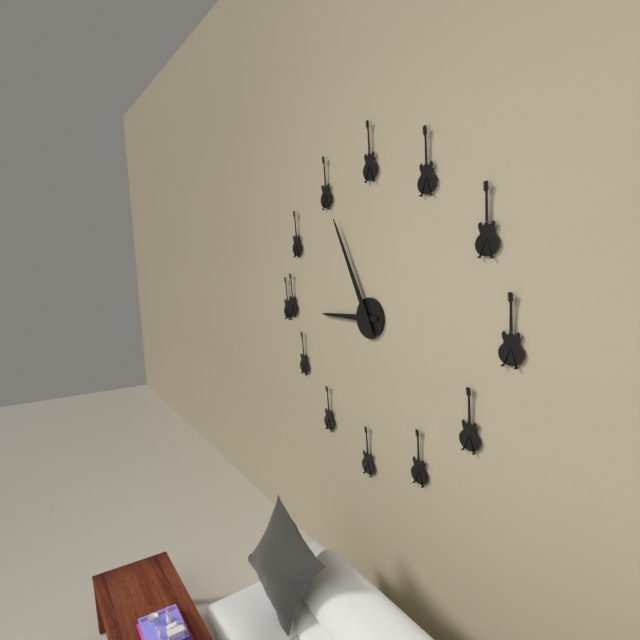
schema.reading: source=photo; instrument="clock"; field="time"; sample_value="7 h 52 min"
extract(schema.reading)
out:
8 h 55 min
